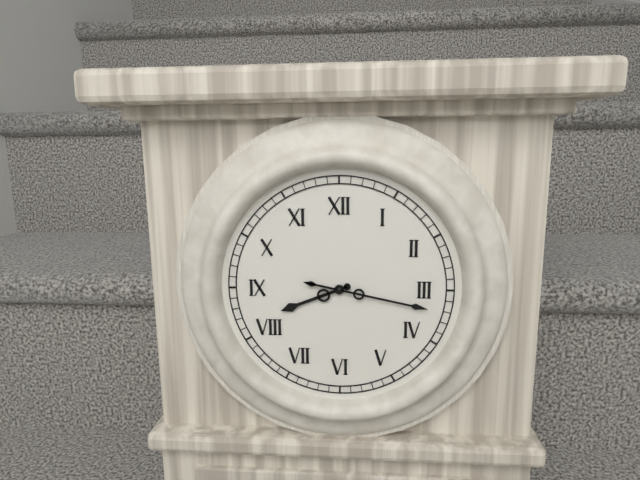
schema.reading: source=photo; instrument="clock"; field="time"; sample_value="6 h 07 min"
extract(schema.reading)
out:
8 h 17 min
